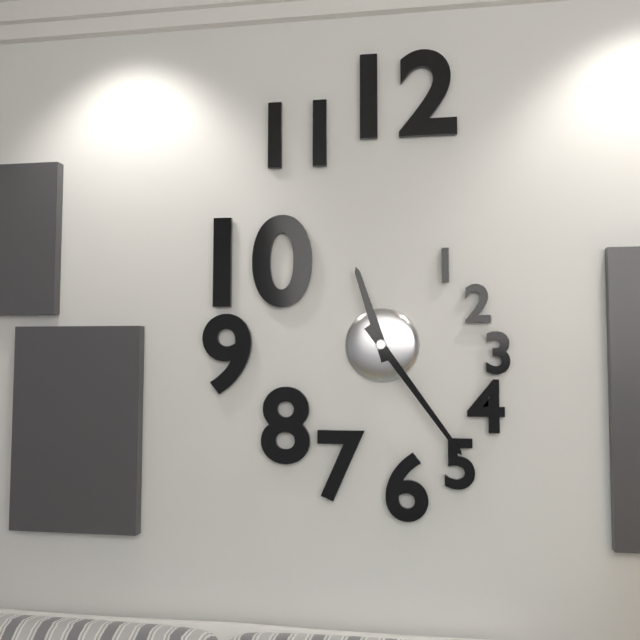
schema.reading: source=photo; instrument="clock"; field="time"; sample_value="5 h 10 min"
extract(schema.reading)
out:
11 h 24 min
